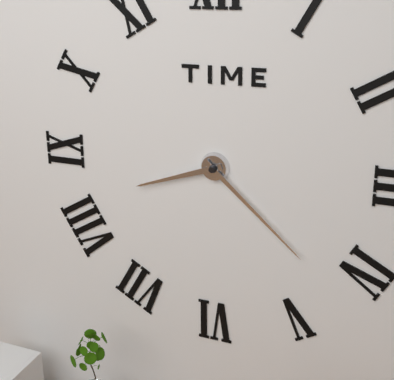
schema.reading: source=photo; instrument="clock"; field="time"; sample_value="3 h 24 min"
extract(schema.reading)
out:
8 h 22 min
